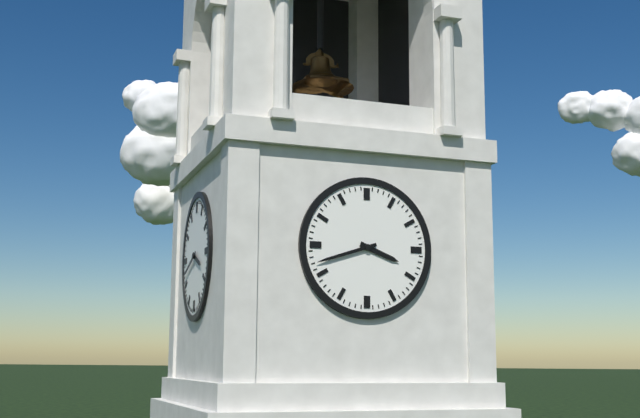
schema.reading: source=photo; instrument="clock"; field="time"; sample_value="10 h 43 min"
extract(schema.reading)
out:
3 h 42 min
